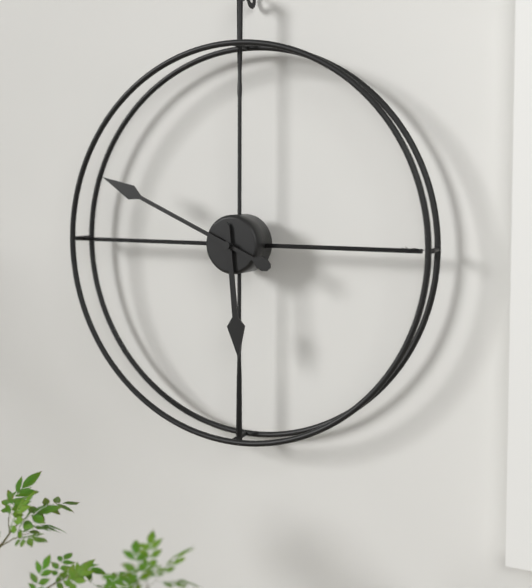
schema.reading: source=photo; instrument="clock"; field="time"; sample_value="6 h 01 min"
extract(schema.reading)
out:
5 h 49 min
